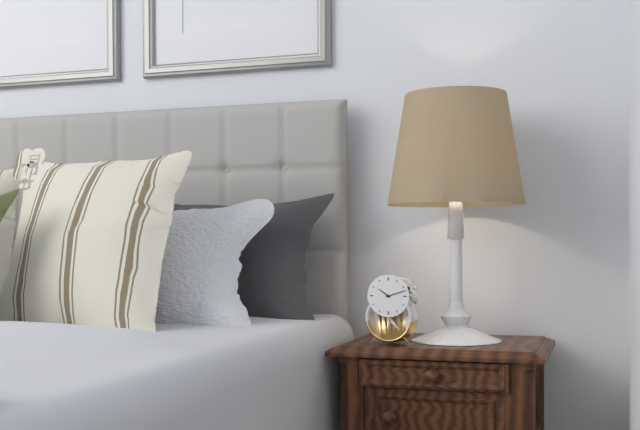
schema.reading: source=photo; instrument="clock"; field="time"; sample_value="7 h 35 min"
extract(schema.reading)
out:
10 h 12 min
